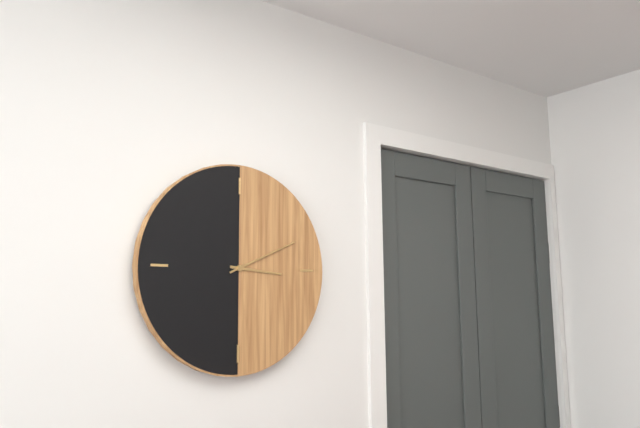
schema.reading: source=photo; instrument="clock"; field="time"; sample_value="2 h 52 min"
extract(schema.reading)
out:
3 h 11 min
